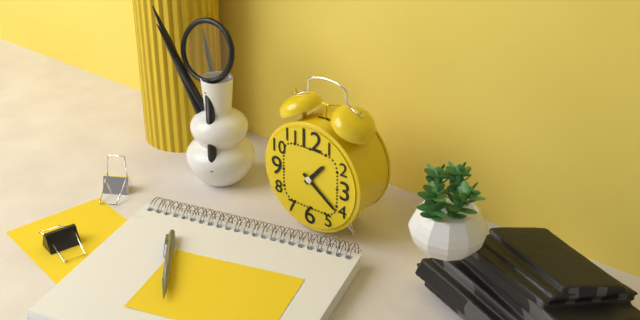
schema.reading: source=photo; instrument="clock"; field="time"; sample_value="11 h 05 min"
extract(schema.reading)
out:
1 h 21 min
